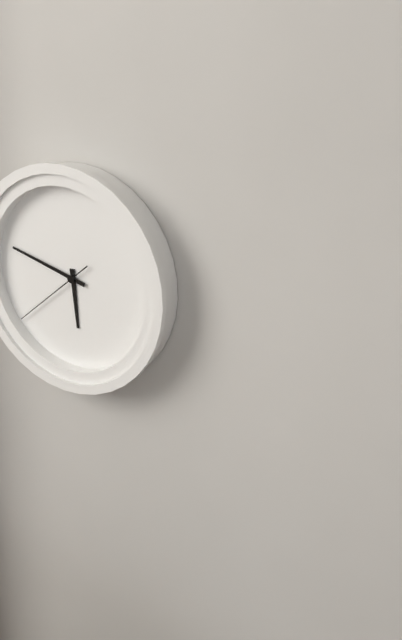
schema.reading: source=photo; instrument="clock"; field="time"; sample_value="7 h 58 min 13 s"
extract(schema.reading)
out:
5 h 47 min 38 s
